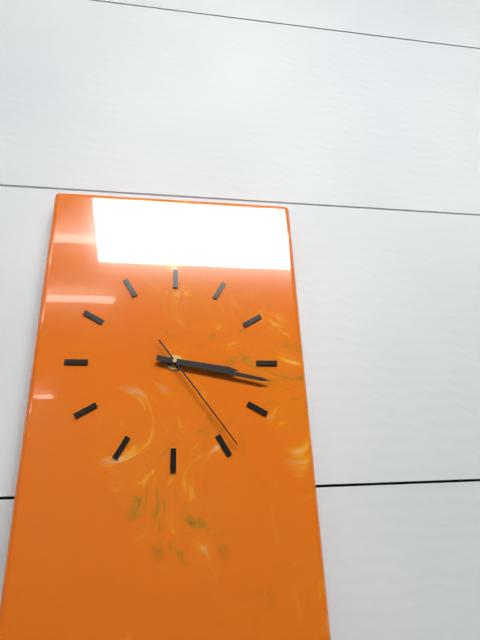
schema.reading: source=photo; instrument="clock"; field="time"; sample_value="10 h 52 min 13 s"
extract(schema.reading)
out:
3 h 17 min 24 s
